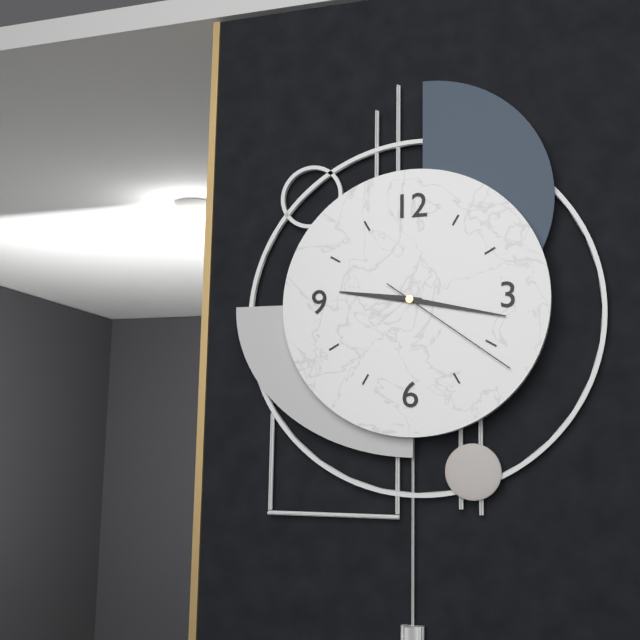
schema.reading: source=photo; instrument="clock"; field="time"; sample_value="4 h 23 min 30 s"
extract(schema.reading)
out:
9 h 17 min 21 s
